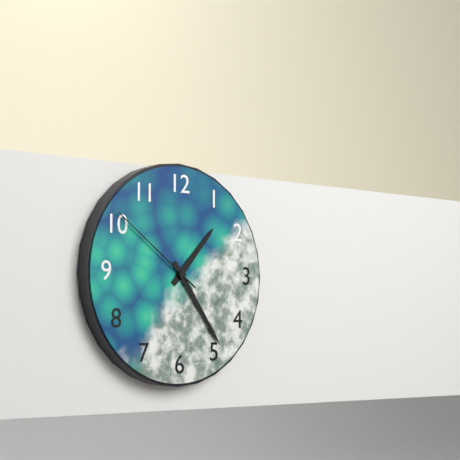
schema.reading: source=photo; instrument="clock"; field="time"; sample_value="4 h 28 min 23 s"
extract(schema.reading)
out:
1 h 24 min 51 s
